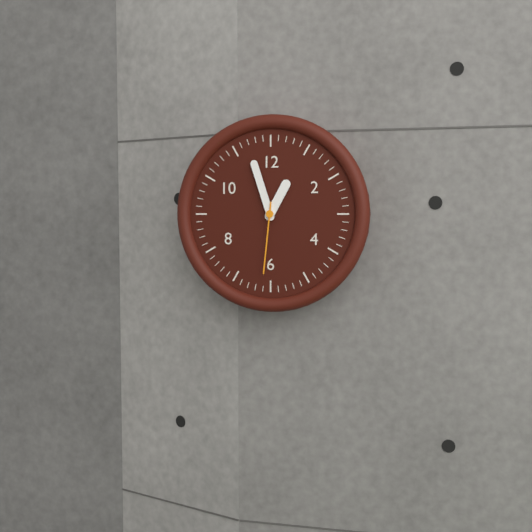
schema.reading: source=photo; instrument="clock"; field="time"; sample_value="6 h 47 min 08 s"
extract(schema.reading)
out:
12 h 57 min 31 s
